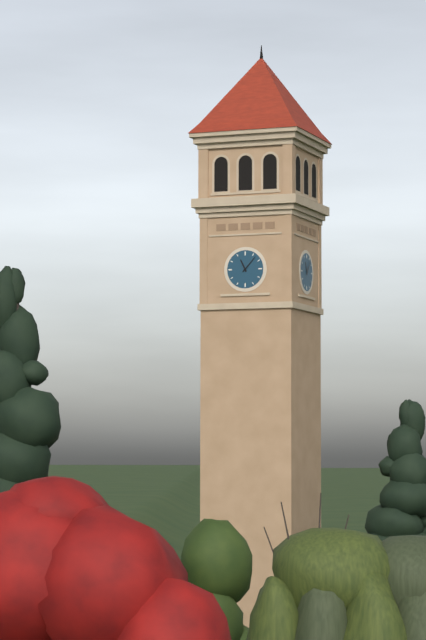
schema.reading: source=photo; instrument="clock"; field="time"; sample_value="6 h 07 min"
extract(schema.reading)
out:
11 h 07 min
